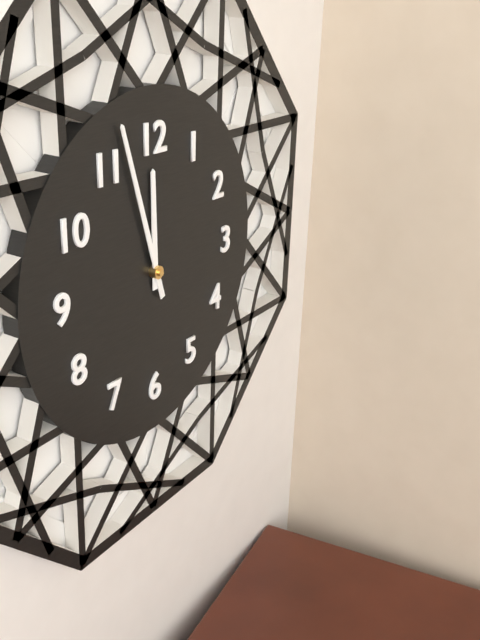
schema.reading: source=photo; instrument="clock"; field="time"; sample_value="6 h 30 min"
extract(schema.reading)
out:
11 h 57 min
